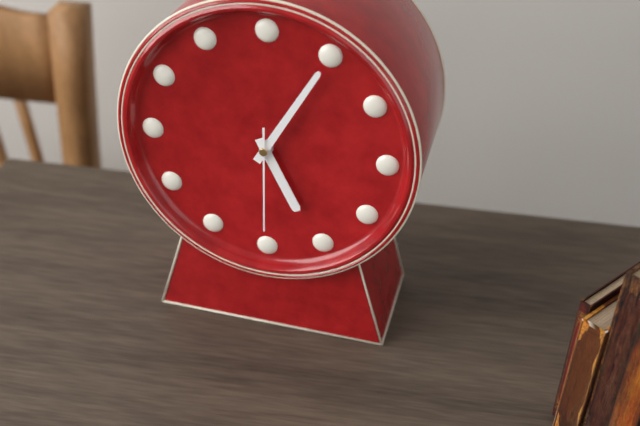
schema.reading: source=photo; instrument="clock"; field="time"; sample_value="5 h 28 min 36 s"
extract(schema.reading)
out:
5 h 05 min 30 s
